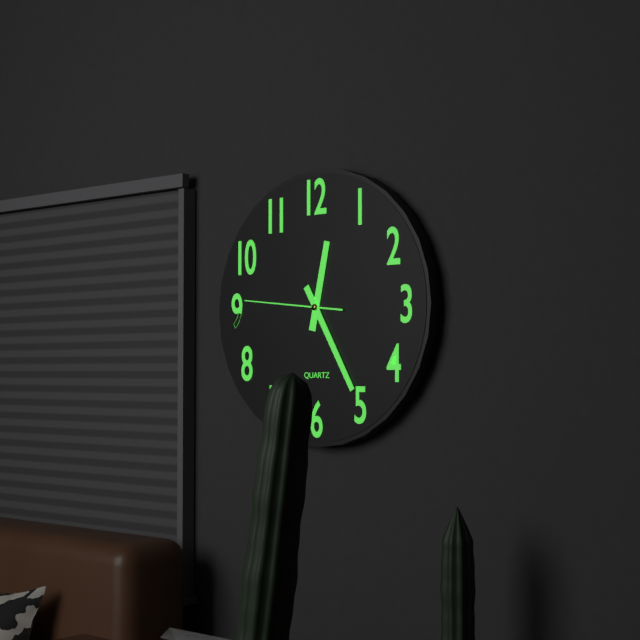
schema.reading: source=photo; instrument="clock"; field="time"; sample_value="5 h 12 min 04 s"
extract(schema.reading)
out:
12 h 25 min 46 s
